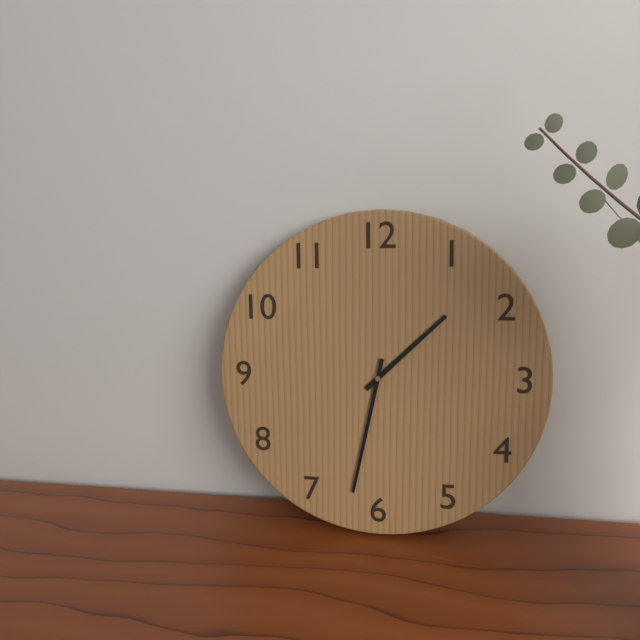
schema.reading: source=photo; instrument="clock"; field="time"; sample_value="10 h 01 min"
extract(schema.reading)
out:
1 h 32 min
